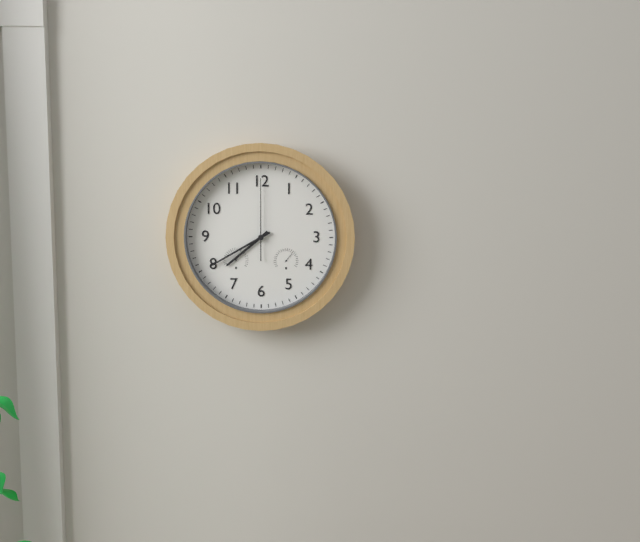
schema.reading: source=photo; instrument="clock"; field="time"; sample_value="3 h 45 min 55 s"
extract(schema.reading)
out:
7 h 40 min 00 s
